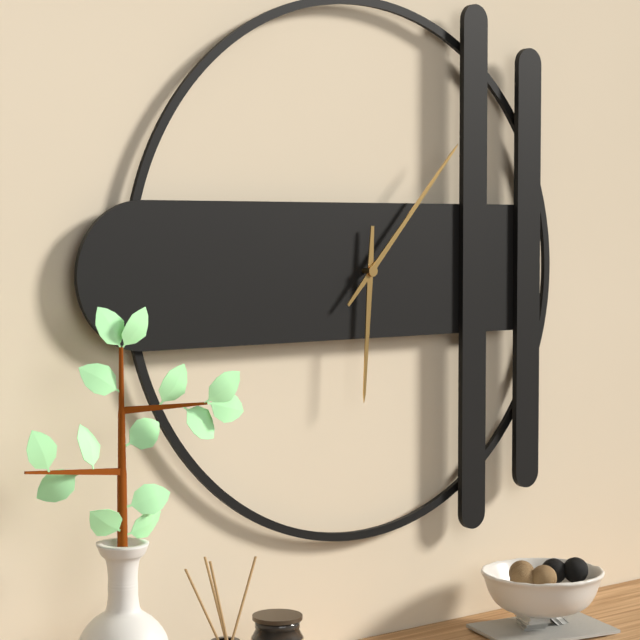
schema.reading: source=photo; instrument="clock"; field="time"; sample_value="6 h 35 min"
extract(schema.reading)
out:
6 h 07 min
